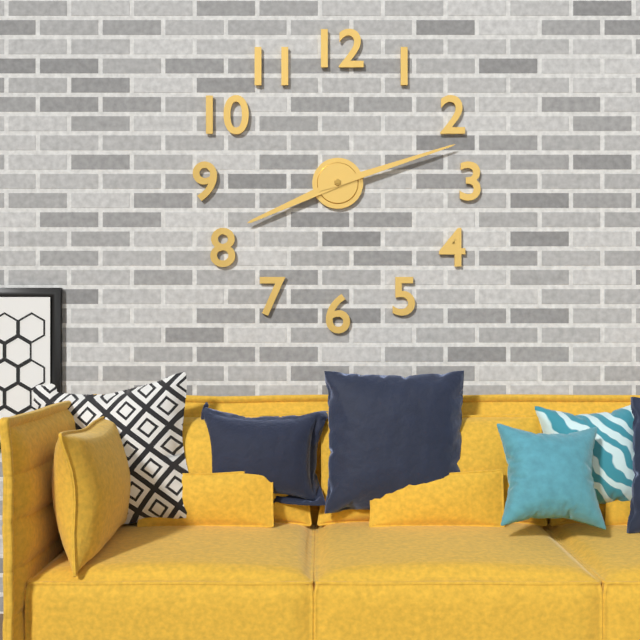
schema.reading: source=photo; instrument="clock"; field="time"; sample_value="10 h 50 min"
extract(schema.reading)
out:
8 h 12 min
